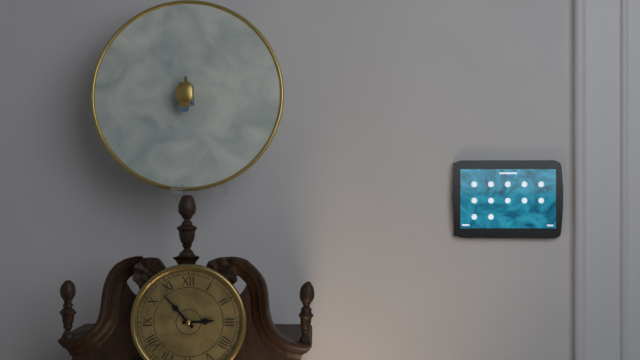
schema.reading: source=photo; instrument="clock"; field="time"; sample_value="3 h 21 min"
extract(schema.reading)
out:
2 h 53 min
